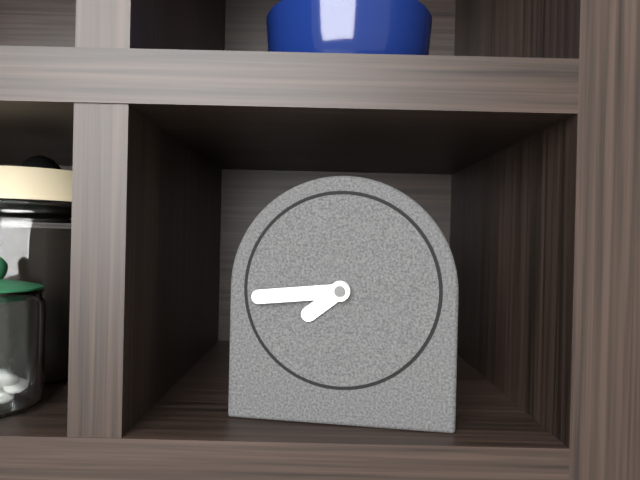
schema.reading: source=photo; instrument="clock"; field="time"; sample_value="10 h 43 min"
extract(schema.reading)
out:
7 h 44 min
